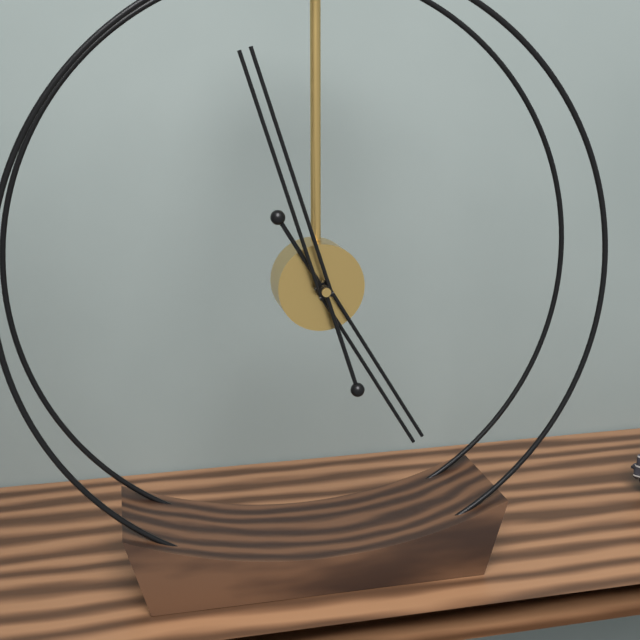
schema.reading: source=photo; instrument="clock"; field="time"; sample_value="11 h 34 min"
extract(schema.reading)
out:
4 h 57 min
